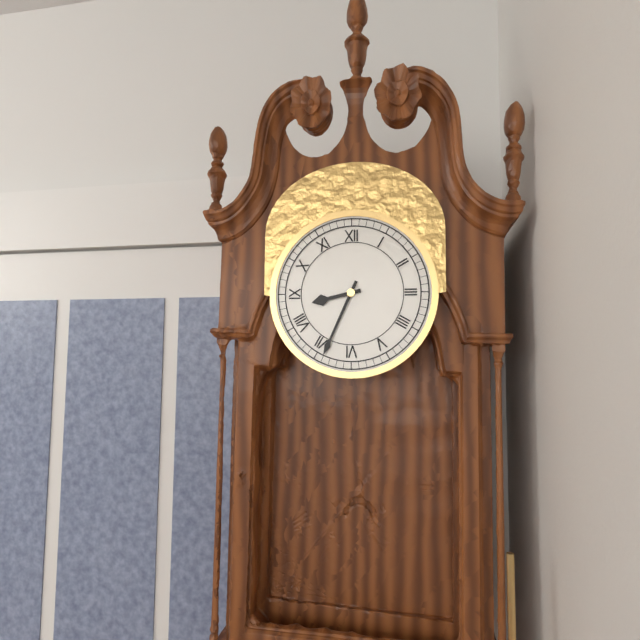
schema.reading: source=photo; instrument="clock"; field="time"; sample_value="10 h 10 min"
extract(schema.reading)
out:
8 h 34 min
